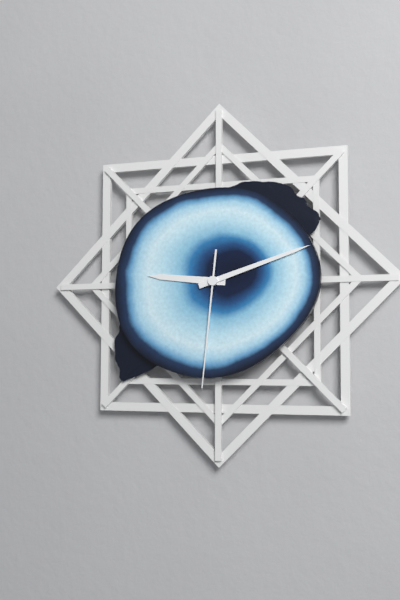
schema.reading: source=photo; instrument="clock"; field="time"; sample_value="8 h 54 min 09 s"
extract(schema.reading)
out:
9 h 12 min 31 s
